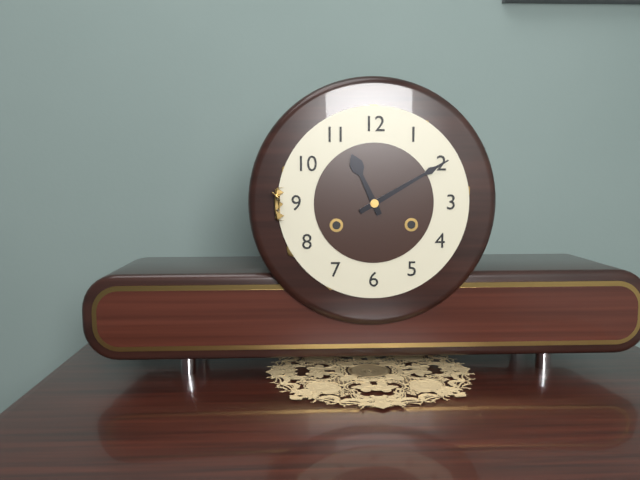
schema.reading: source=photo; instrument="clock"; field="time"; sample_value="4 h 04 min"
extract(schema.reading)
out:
11 h 10 min
